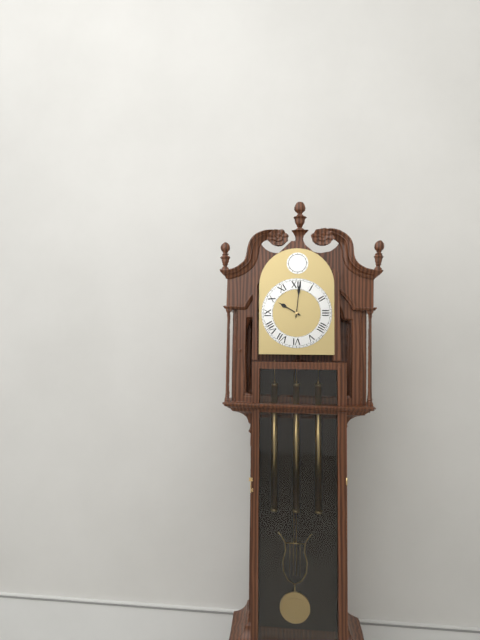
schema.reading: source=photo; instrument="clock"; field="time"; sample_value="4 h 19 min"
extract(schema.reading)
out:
10 h 01 min
